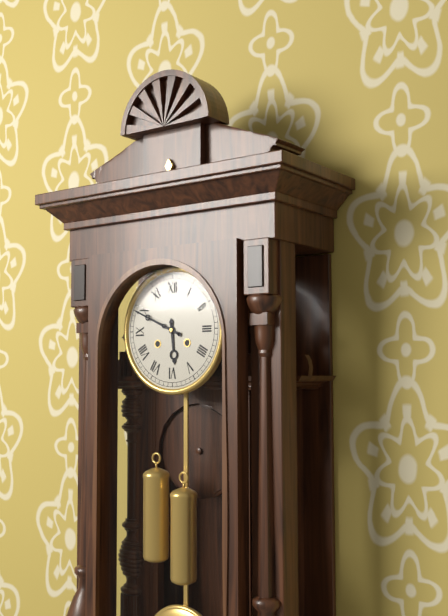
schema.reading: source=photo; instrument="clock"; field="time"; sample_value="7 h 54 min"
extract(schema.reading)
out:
5 h 49 min
